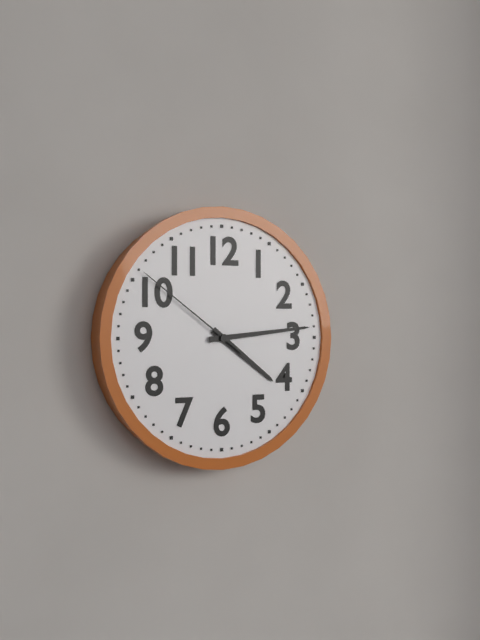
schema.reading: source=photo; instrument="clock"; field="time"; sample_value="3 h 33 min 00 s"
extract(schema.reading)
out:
4 h 14 min 51 s
